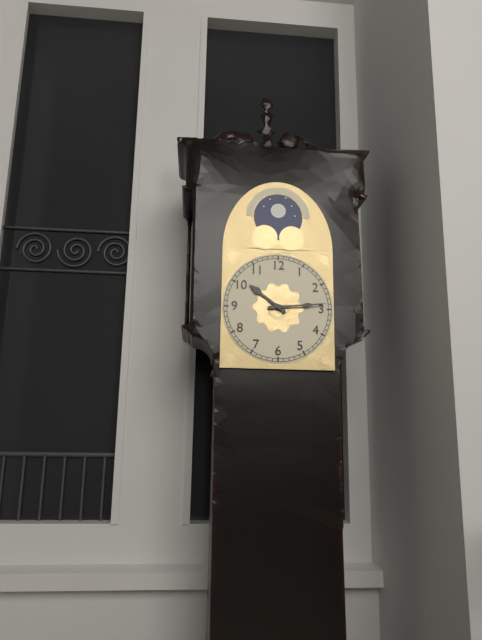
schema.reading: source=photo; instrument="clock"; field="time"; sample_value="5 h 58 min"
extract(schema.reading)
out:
10 h 14 min
